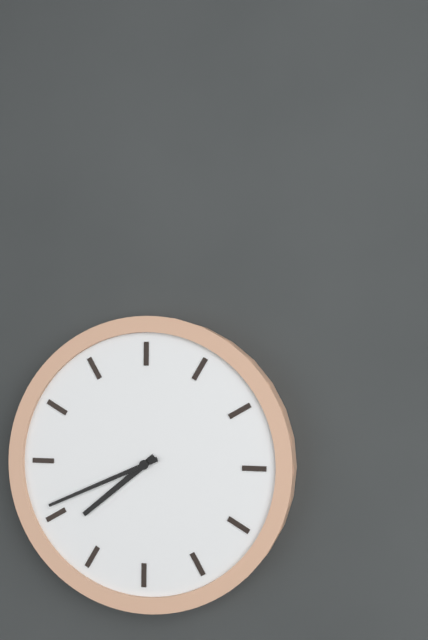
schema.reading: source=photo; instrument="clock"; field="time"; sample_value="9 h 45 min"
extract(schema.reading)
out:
7 h 41 min
